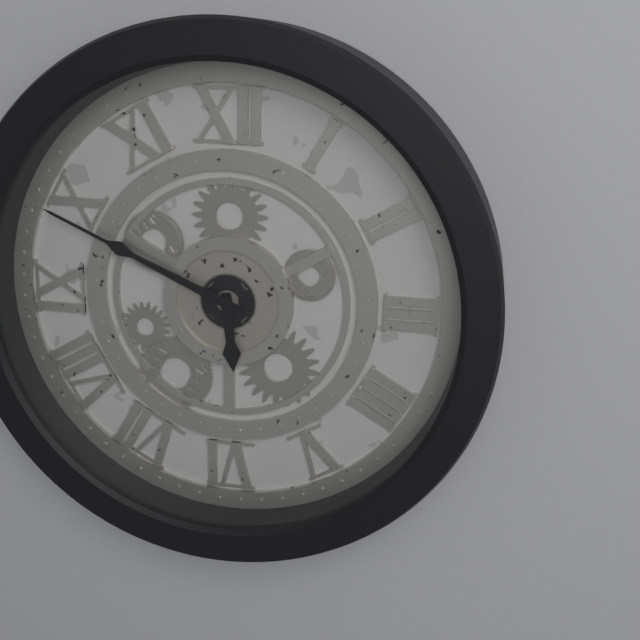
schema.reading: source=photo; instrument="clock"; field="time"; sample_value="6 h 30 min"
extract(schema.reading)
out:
5 h 49 min
